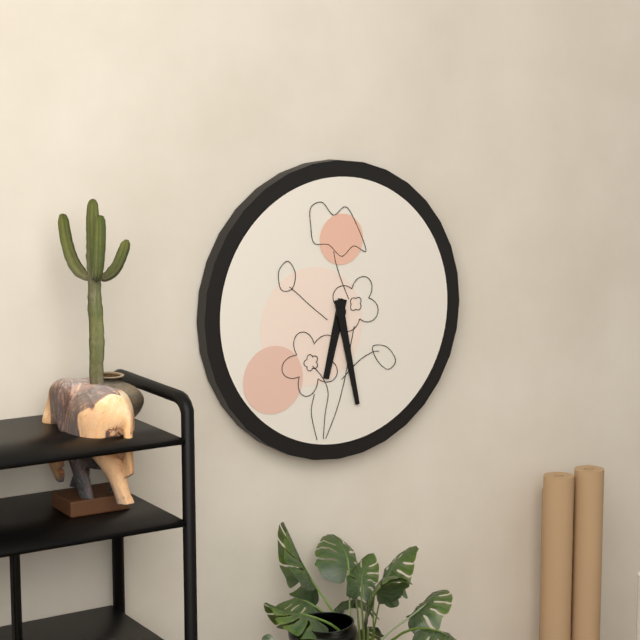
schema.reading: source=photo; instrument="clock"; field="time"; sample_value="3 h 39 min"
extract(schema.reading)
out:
6 h 28 min
